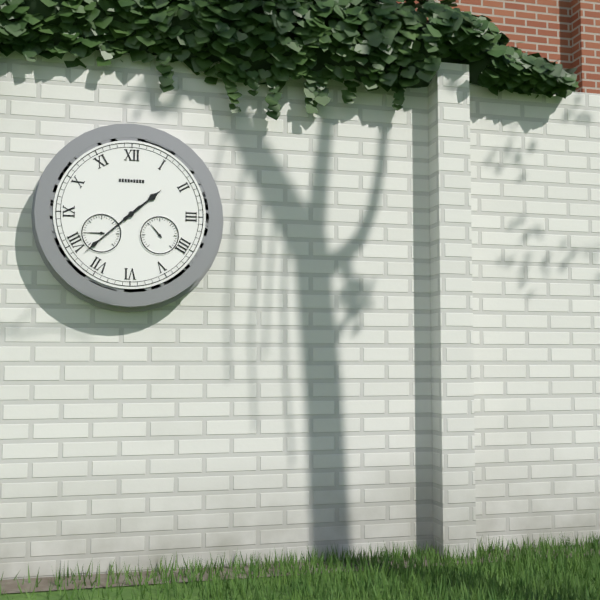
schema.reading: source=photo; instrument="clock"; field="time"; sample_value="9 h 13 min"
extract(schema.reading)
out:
1 h 38 min
